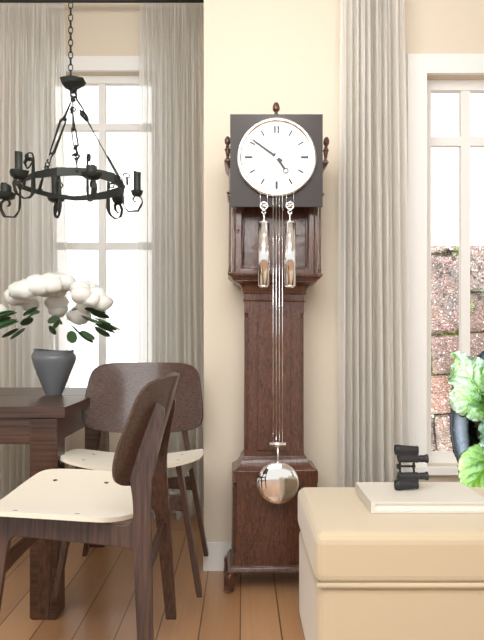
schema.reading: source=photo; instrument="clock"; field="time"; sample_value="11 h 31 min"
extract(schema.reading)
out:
4 h 51 min
